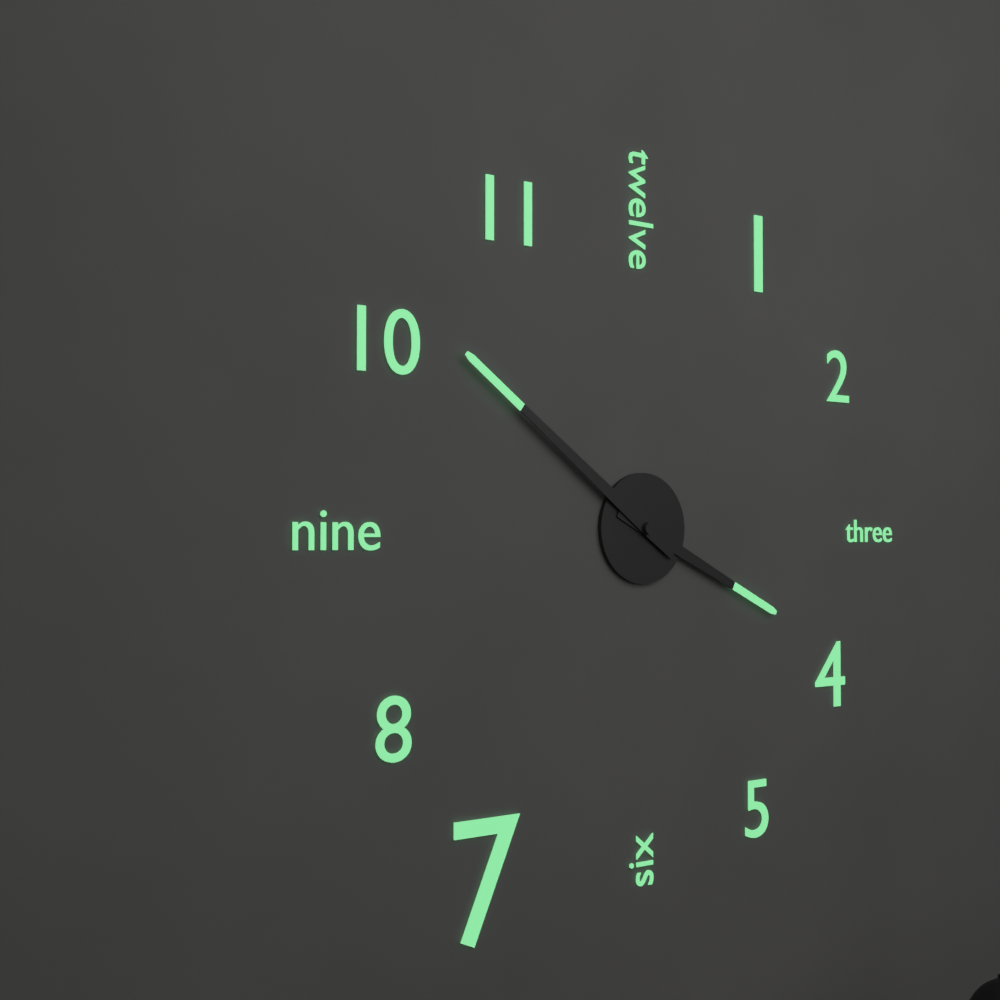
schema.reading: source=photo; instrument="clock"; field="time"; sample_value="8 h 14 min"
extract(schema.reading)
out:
3 h 51 min
